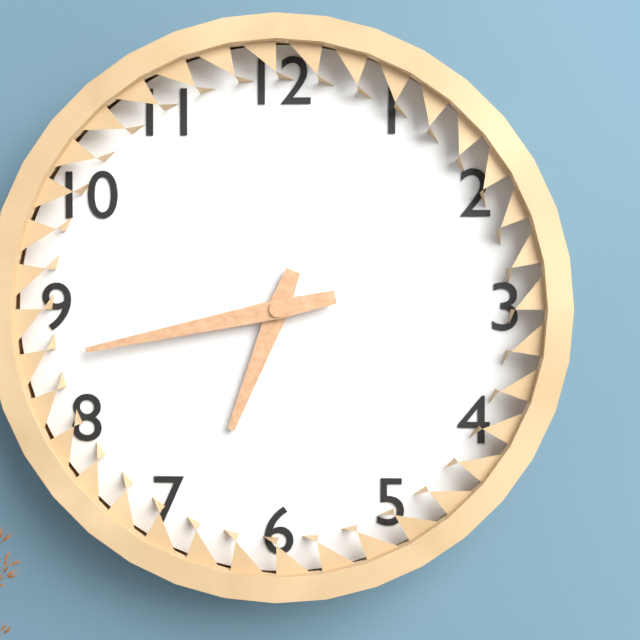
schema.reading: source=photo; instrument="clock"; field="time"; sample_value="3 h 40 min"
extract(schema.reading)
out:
6 h 43 min
